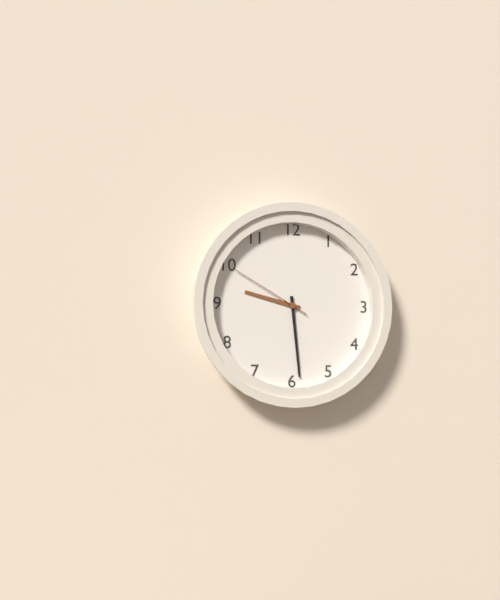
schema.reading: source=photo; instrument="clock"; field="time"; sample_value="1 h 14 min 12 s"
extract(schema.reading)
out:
9 h 29 min 50 s
